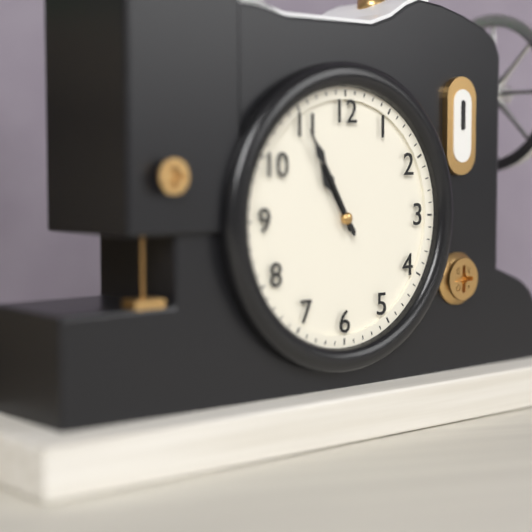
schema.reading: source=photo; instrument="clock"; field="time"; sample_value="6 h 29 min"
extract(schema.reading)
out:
10 h 55 min
